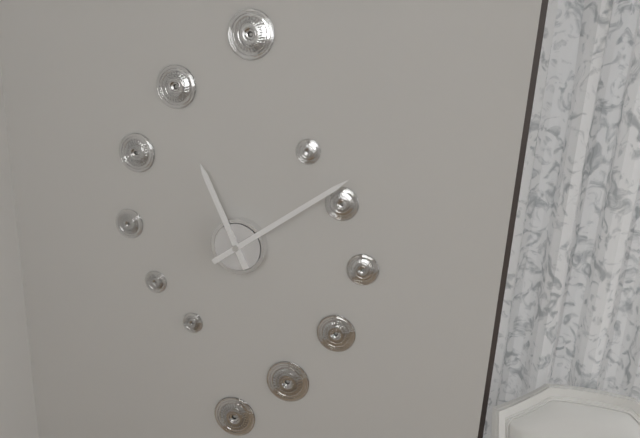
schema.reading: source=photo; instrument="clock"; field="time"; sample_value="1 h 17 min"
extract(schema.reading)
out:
11 h 09 min
